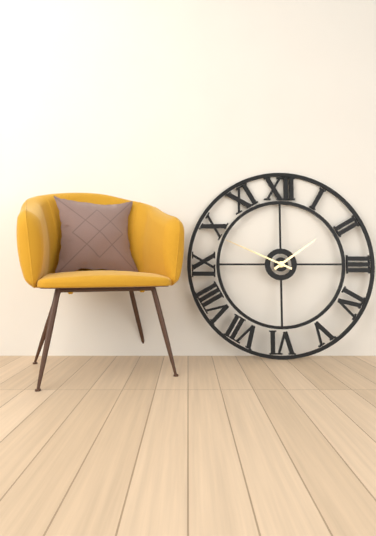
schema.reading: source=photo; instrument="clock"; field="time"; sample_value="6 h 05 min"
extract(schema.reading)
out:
1 h 49 min
